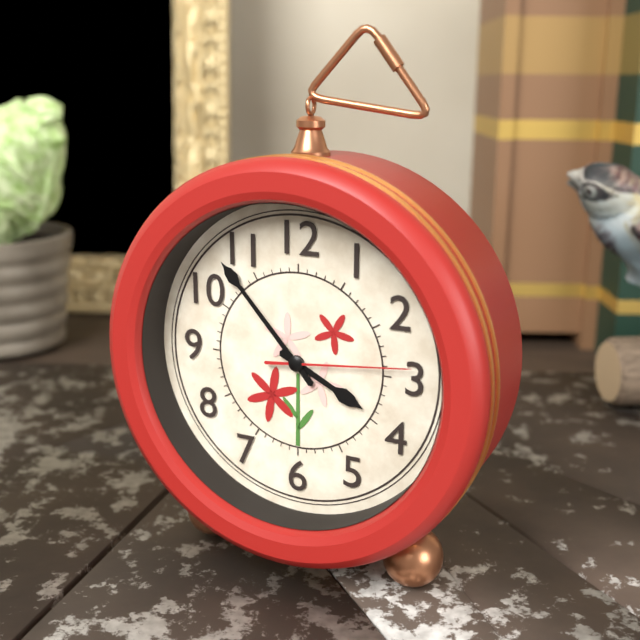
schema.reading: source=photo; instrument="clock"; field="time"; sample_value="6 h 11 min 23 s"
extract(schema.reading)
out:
3 h 53 min 14 s
